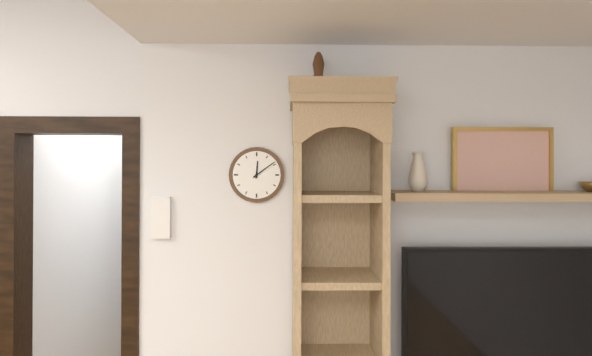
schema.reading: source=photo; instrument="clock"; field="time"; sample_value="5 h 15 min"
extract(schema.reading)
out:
12 h 09 min
